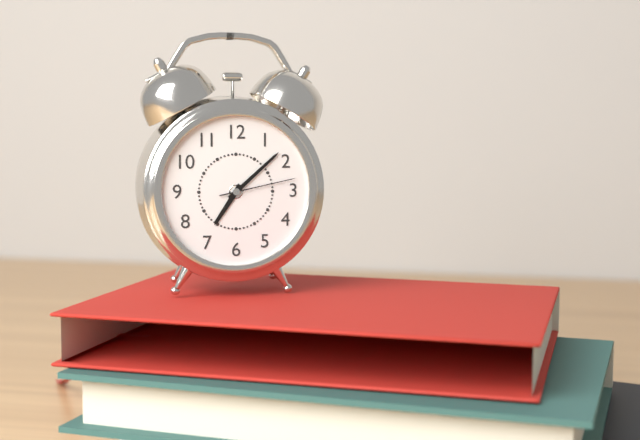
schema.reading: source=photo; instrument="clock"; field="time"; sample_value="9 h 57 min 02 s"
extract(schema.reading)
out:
7 h 08 min 13 s
